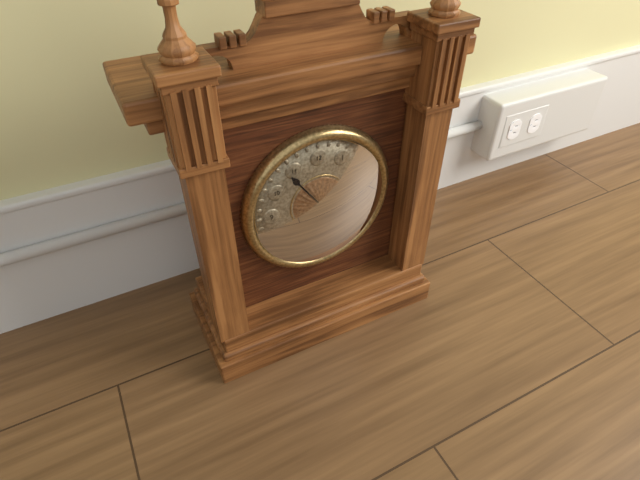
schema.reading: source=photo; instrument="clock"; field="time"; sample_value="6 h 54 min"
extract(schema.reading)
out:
2 h 54 min
